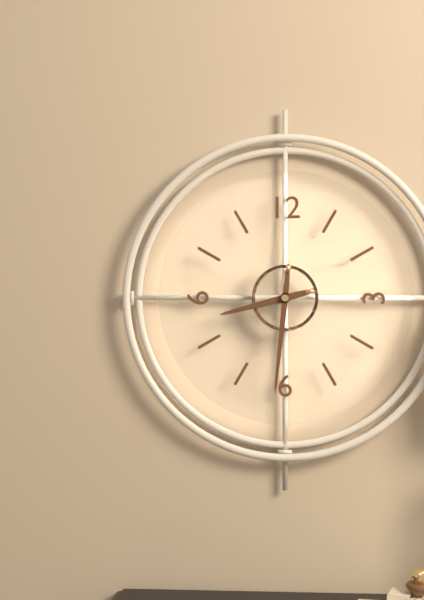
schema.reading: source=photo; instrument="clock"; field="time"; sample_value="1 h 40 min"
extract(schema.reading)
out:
8 h 31 min
